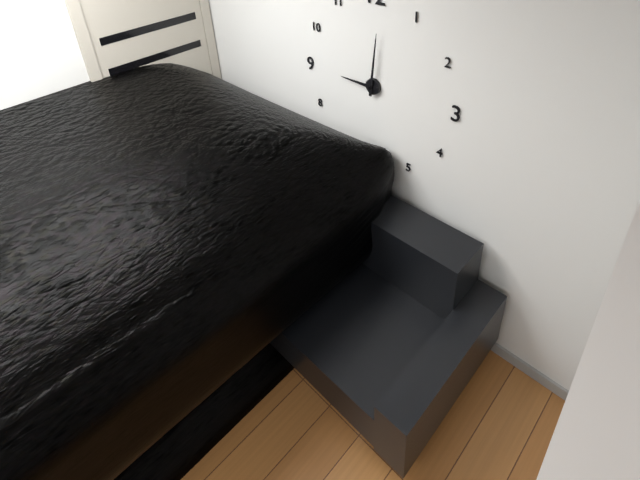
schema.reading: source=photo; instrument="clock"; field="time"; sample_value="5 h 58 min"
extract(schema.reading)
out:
9 h 01 min
